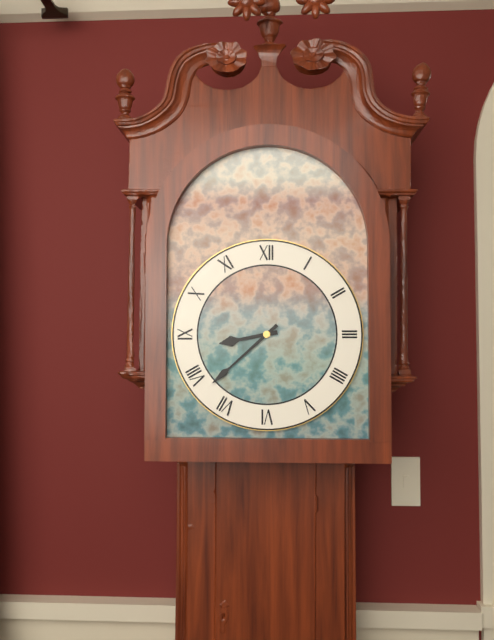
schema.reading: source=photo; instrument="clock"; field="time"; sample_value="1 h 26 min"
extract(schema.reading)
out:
8 h 38 min
